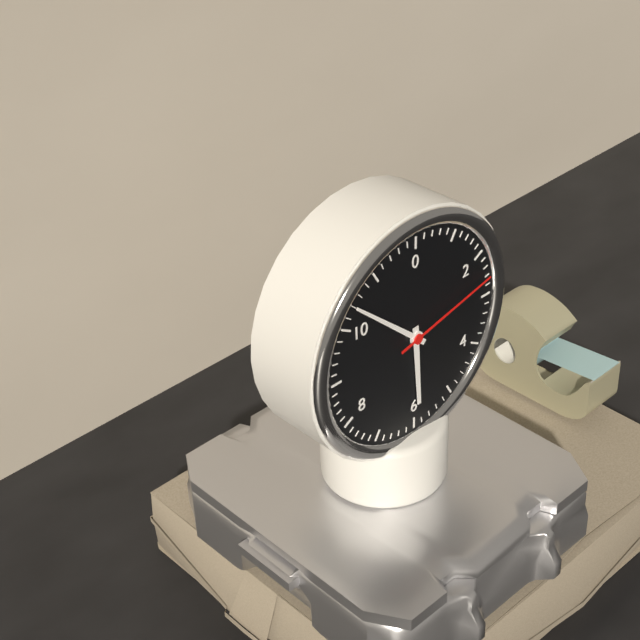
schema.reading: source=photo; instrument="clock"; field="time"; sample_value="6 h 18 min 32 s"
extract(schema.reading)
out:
5 h 52 min 13 s
